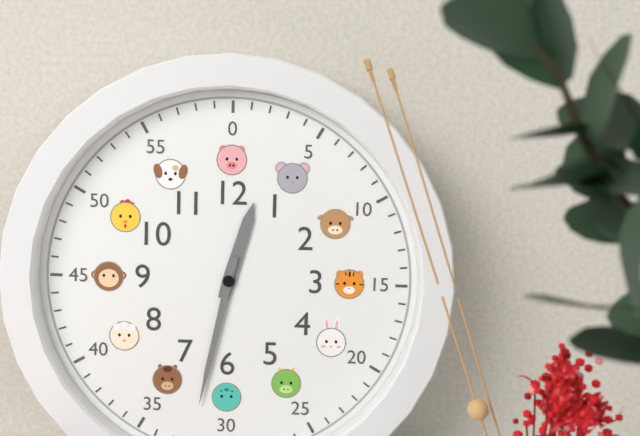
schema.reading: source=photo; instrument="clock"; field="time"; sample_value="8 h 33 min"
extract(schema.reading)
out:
12 h 32 min
